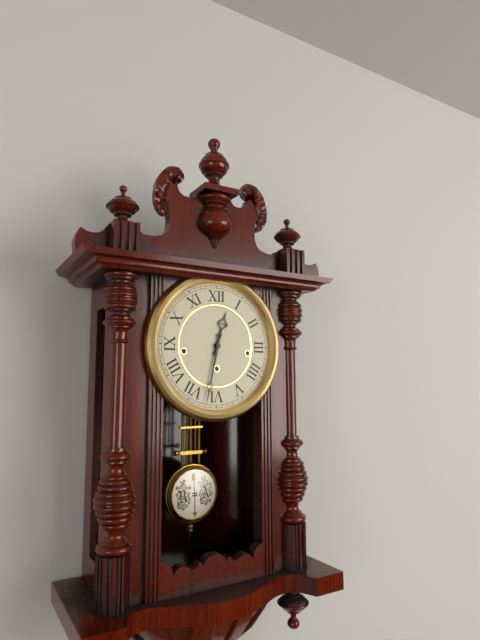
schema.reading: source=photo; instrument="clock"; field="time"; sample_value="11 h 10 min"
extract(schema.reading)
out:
12 h 32 min
